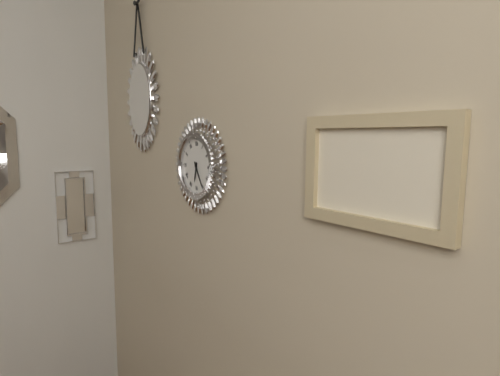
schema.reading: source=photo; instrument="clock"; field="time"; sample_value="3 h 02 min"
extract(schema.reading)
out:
6 h 25 min
